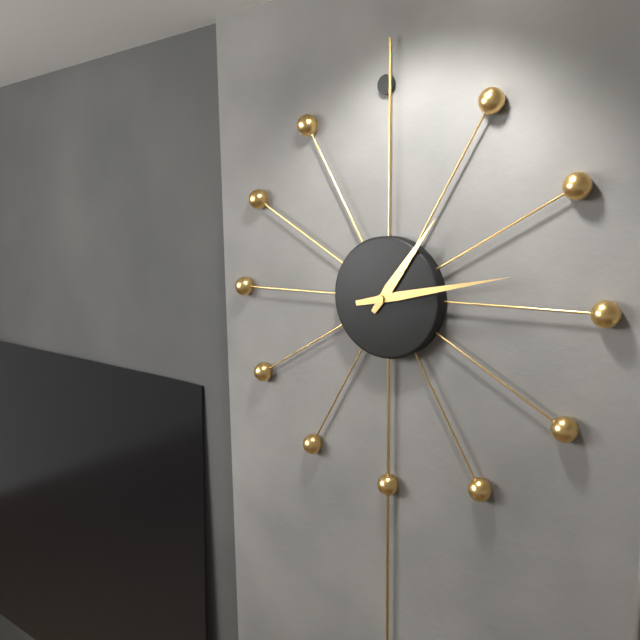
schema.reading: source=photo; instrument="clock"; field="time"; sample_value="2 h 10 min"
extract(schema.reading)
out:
1 h 13 min
